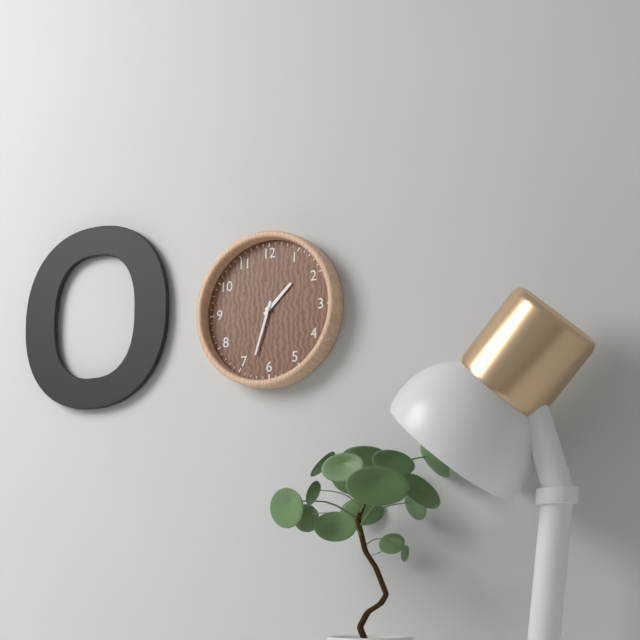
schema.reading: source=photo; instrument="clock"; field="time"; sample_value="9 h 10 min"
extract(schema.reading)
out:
1 h 33 min
